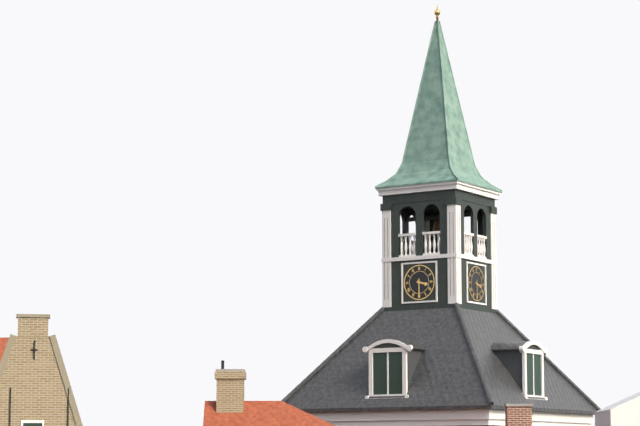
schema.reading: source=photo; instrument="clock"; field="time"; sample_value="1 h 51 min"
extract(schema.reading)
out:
3 h 30 min
